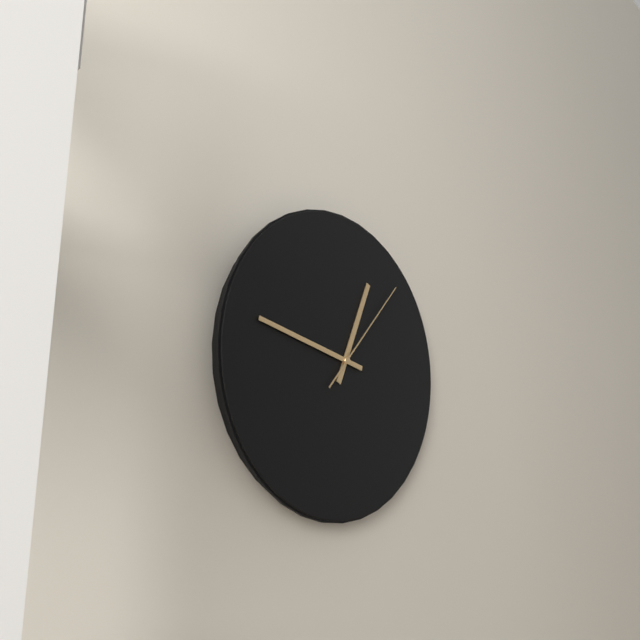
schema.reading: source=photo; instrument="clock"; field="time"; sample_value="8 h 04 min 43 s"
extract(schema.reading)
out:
12 h 47 min 07 s
